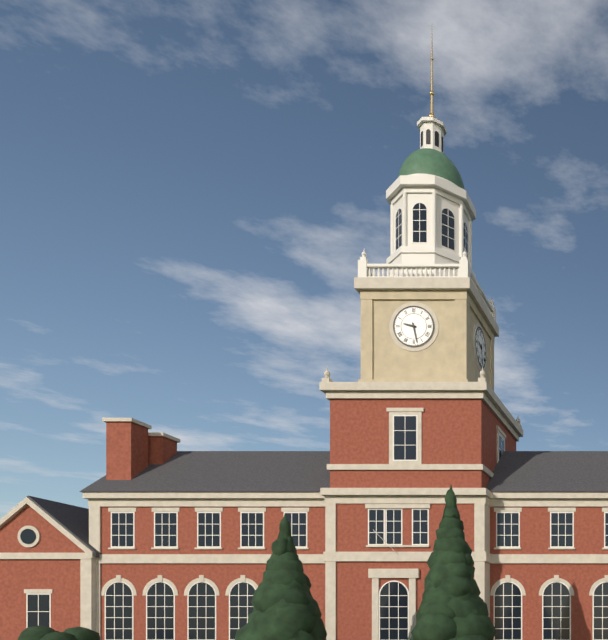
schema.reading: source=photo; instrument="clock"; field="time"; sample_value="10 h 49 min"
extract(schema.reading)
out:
9 h 28 min
